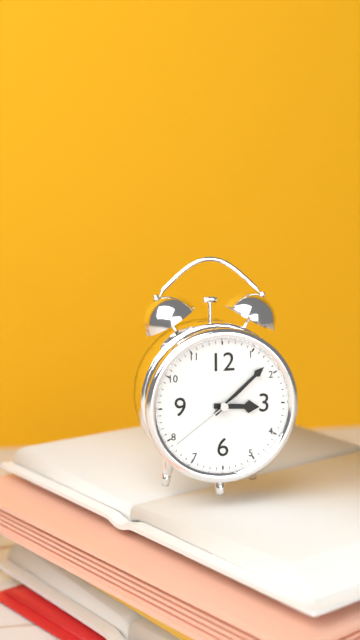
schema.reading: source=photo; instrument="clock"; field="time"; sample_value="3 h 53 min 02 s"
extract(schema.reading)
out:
3 h 08 min 39 s
